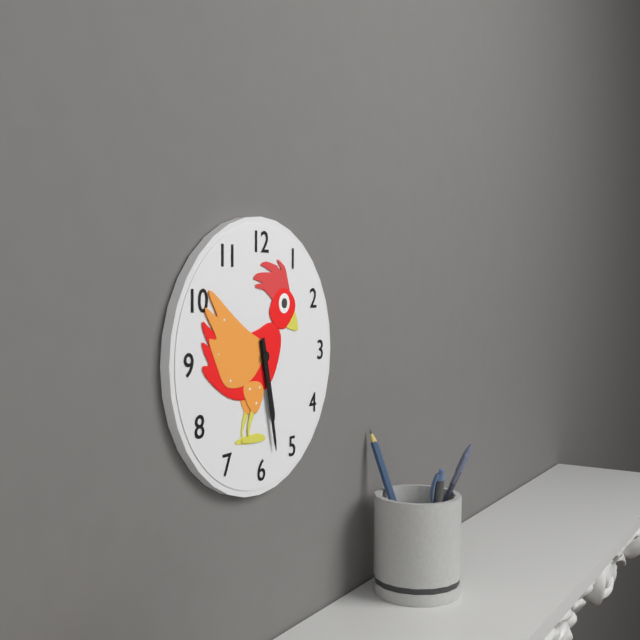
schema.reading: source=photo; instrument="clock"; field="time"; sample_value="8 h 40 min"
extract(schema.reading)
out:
5 h 28 min
